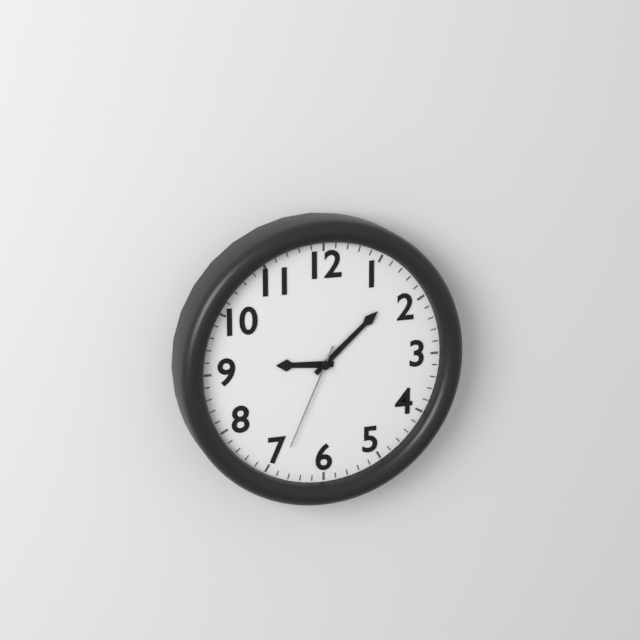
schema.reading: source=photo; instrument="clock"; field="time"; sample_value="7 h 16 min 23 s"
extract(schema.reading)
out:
9 h 08 min 34 s
